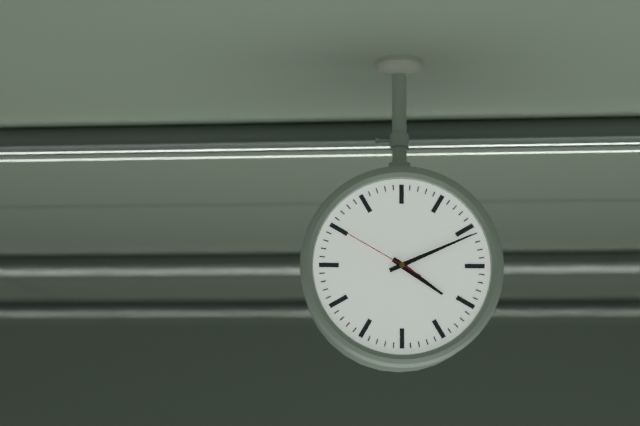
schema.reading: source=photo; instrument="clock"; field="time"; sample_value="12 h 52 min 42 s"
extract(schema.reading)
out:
4 h 11 min 50 s
